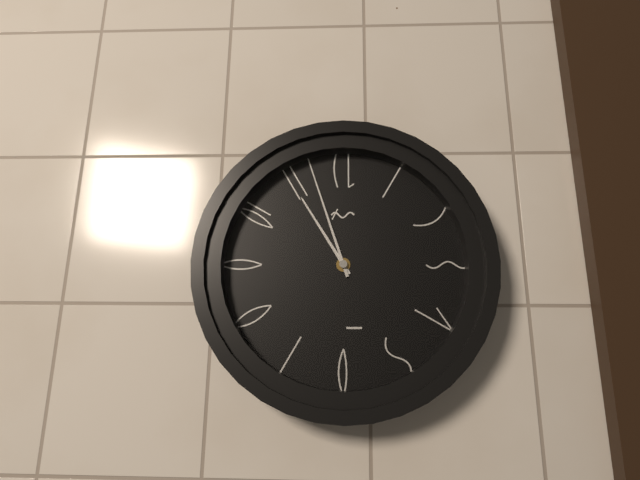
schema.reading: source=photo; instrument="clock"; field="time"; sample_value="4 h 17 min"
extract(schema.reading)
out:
10 h 57 min
